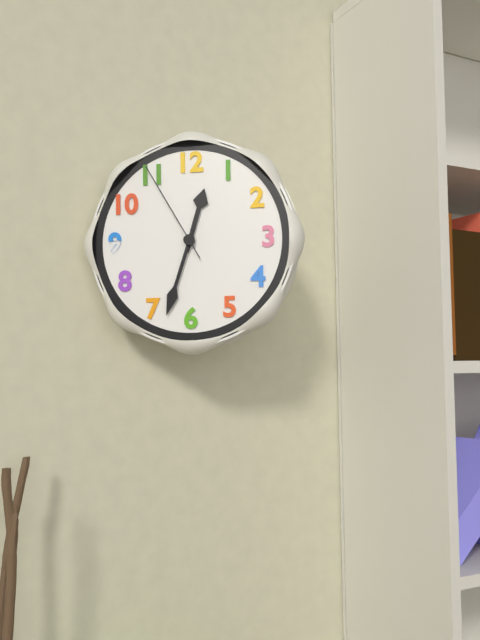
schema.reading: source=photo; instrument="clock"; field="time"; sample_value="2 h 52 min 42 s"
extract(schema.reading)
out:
12 h 33 min 55 s
